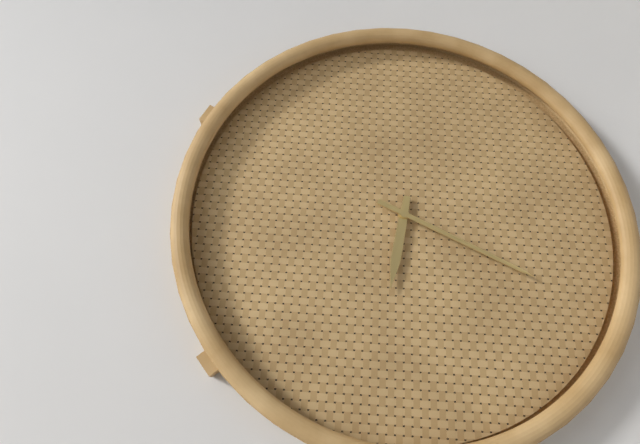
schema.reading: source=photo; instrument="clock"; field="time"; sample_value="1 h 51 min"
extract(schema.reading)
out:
6 h 19 min
